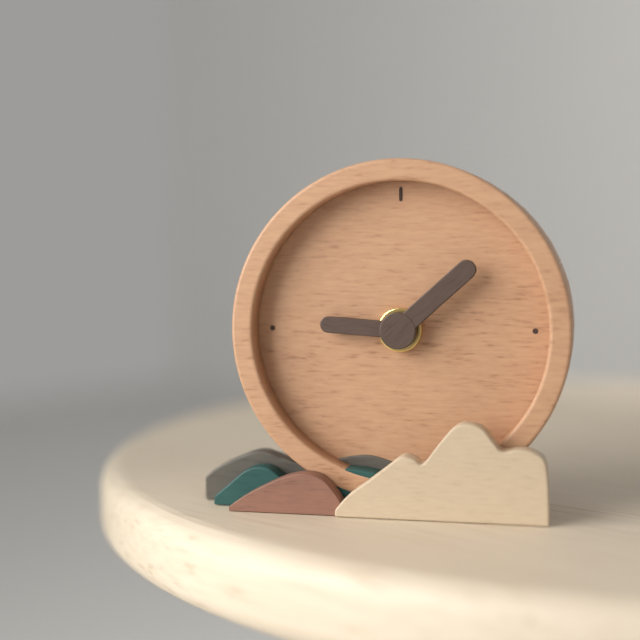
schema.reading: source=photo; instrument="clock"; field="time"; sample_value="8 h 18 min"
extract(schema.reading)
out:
9 h 08 min
